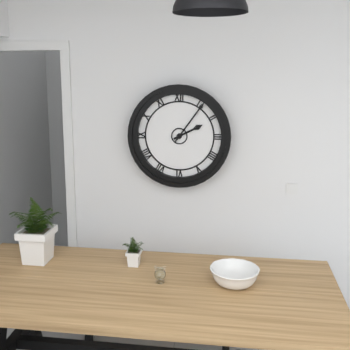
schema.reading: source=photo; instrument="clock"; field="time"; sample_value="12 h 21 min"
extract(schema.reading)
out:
2 h 06 min
